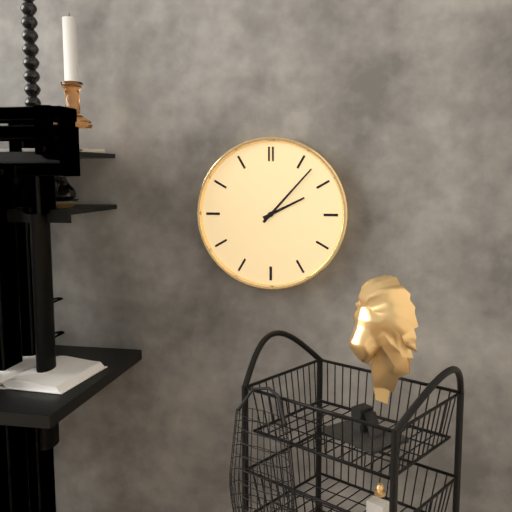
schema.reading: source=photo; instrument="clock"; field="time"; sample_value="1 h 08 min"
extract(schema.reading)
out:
2 h 07 min
